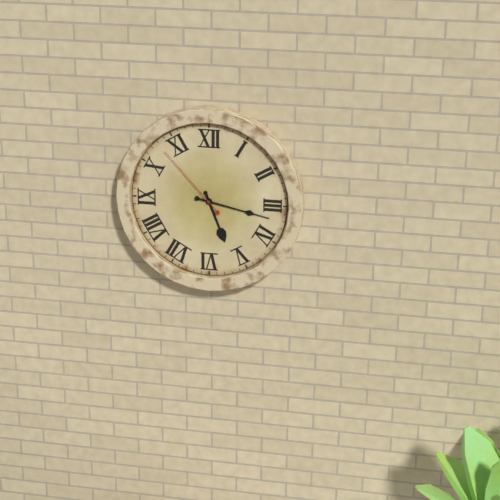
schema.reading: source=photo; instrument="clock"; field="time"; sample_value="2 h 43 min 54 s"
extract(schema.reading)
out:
5 h 17 min 53 s
